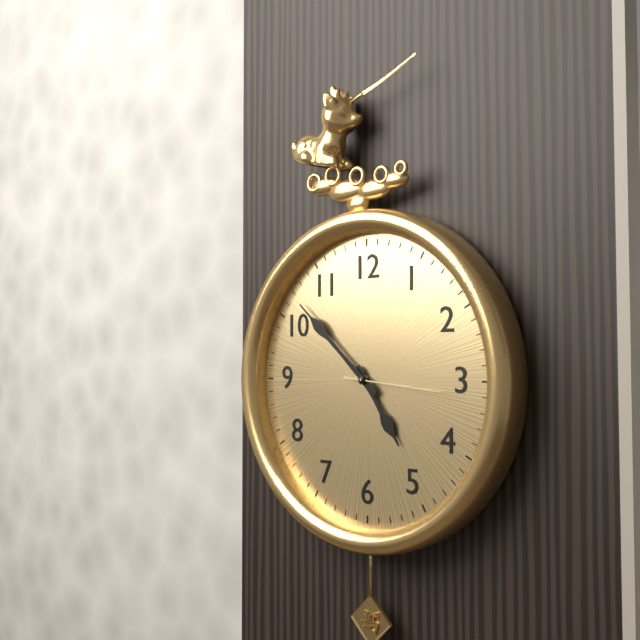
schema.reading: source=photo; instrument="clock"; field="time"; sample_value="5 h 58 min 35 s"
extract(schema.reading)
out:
4 h 52 min 16 s
